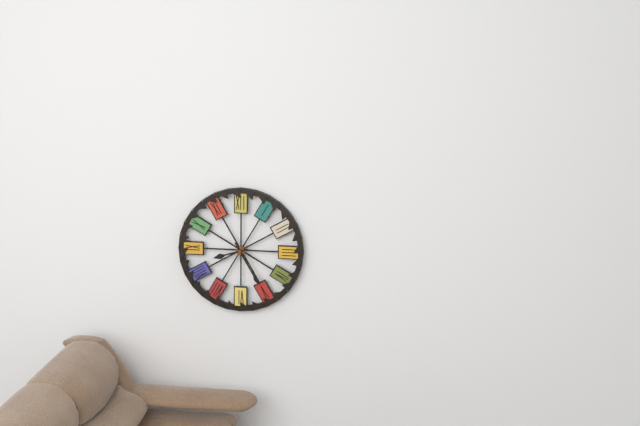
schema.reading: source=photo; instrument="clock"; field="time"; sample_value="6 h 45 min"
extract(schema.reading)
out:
8 h 25 min
